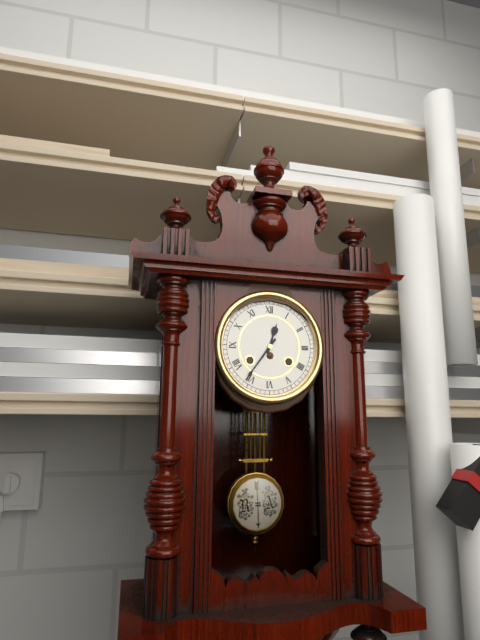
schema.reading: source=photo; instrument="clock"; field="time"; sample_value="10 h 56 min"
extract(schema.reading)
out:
12 h 36 min
